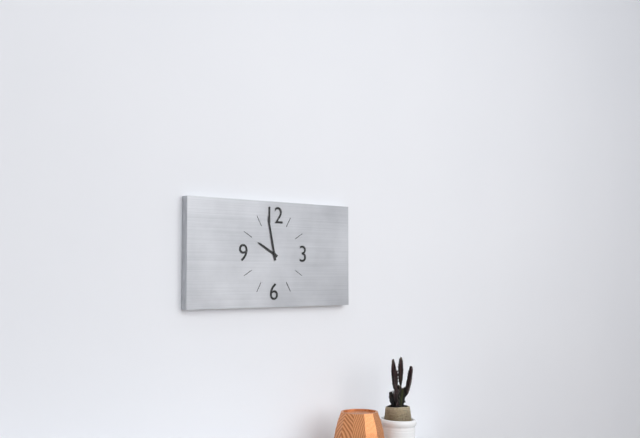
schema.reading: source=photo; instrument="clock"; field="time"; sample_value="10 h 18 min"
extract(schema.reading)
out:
9 h 58 min
